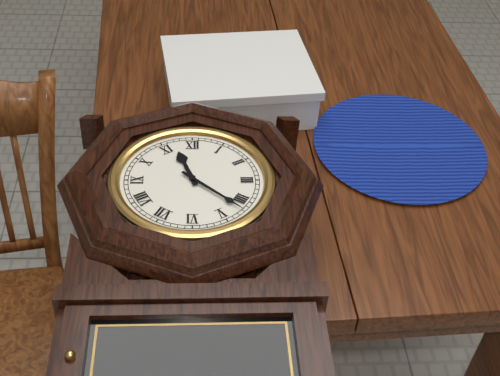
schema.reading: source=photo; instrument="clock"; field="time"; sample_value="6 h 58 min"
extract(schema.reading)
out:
11 h 22 min
